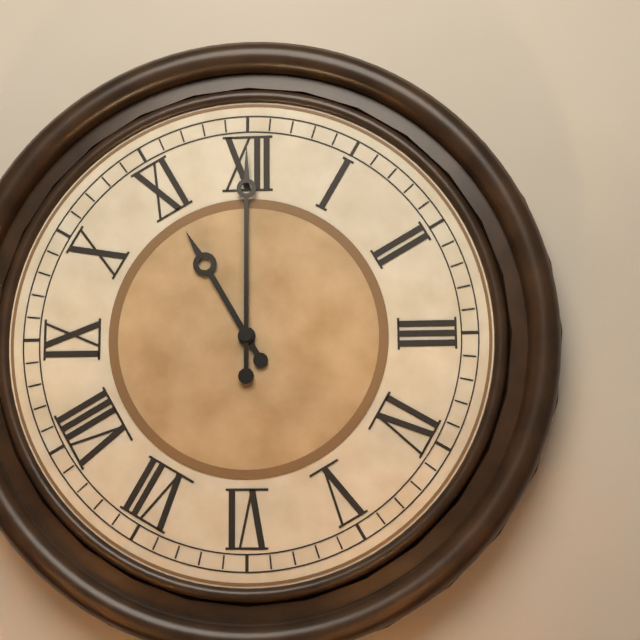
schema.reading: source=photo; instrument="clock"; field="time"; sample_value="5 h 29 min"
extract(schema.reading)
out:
11 h 00 min
